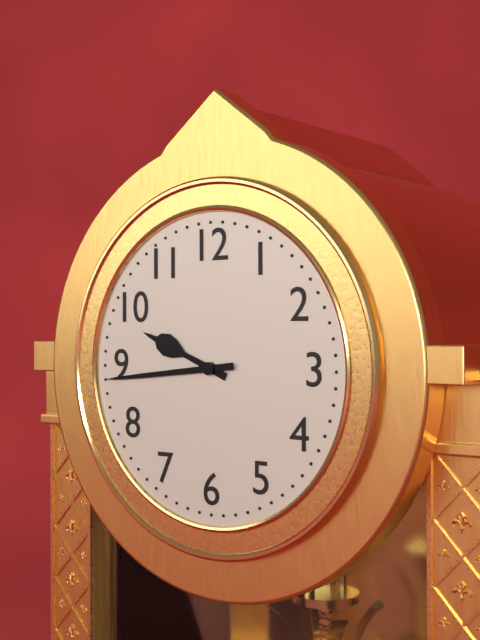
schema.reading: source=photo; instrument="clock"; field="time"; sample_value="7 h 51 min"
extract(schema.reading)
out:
9 h 44 min
